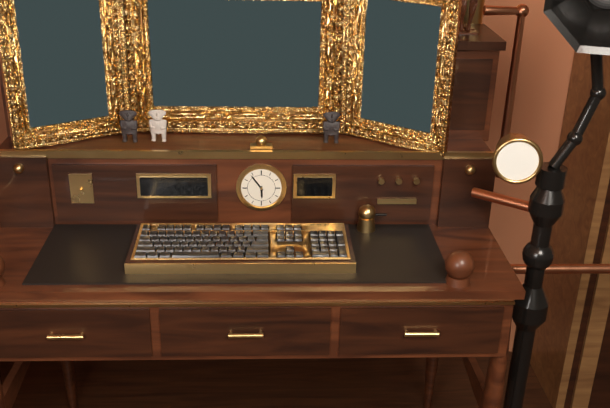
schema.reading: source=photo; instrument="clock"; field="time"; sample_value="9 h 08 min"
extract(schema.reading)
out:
5 h 54 min
